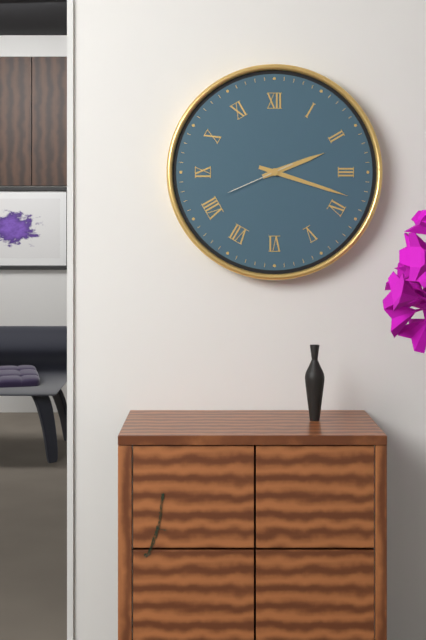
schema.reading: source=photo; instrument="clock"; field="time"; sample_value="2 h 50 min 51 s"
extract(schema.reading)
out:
2 h 18 min 41 s
